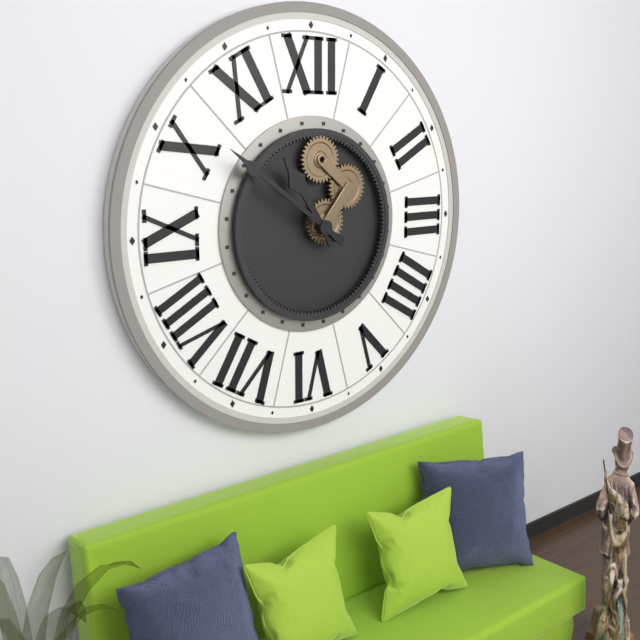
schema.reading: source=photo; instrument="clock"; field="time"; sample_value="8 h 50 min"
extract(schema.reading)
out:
10 h 51 min
